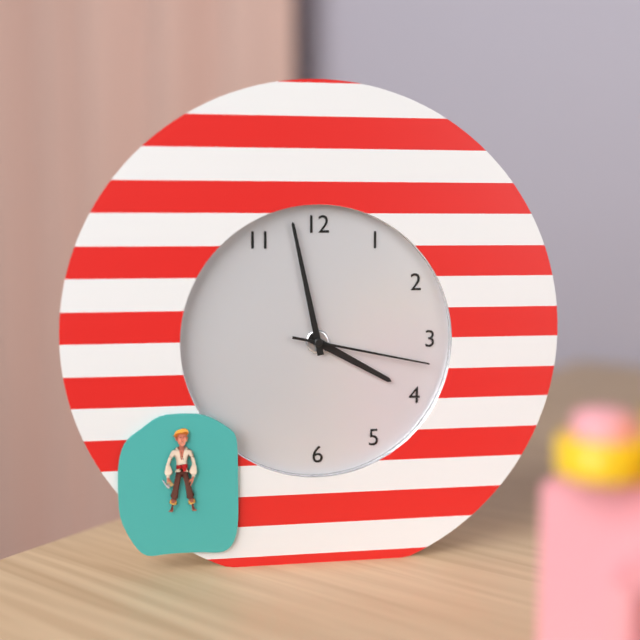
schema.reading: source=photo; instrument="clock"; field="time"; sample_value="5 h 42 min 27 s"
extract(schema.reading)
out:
3 h 58 min 17 s
